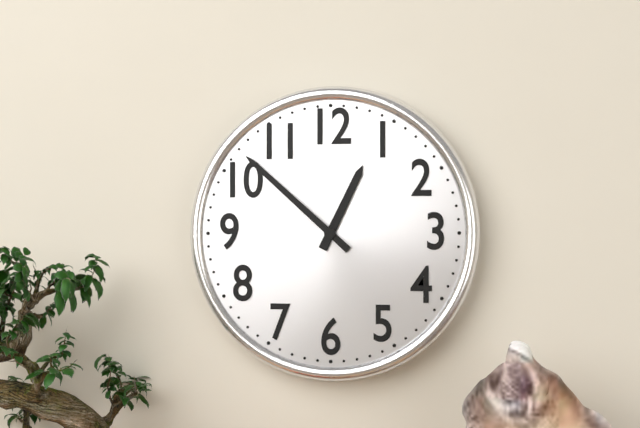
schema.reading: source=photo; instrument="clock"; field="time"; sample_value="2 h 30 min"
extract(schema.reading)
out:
12 h 52 min
